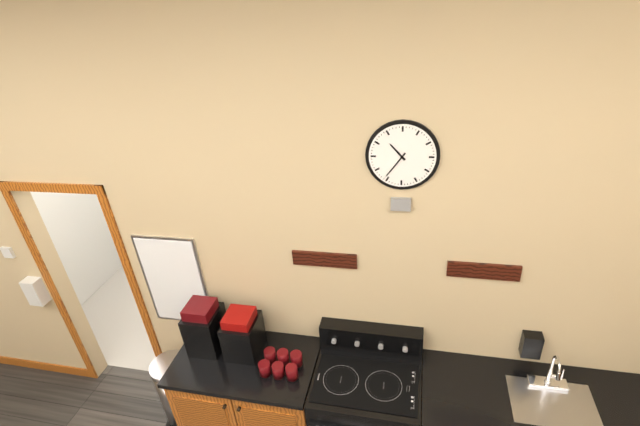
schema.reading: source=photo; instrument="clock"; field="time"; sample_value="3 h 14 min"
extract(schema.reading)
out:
10 h 36 min
